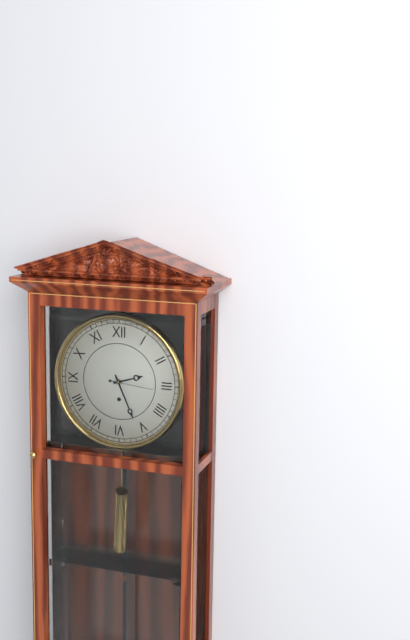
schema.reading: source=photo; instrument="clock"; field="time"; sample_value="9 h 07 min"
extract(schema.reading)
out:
2 h 26 min
